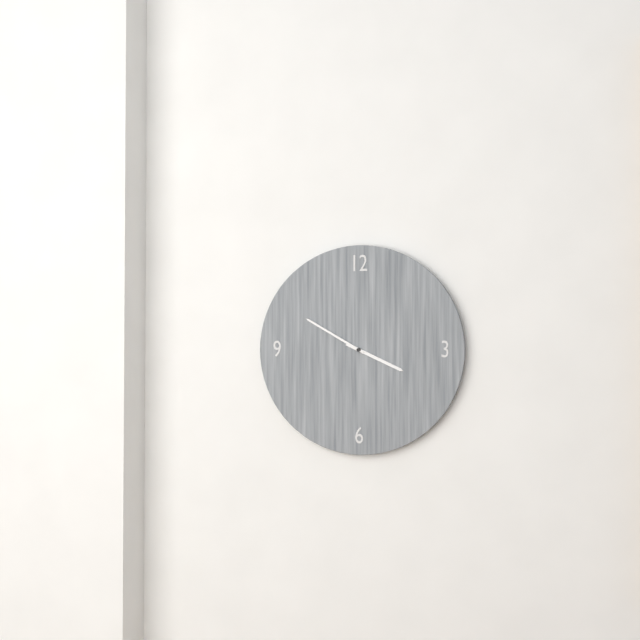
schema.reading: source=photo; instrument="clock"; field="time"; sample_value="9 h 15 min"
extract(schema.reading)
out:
3 h 50 min
